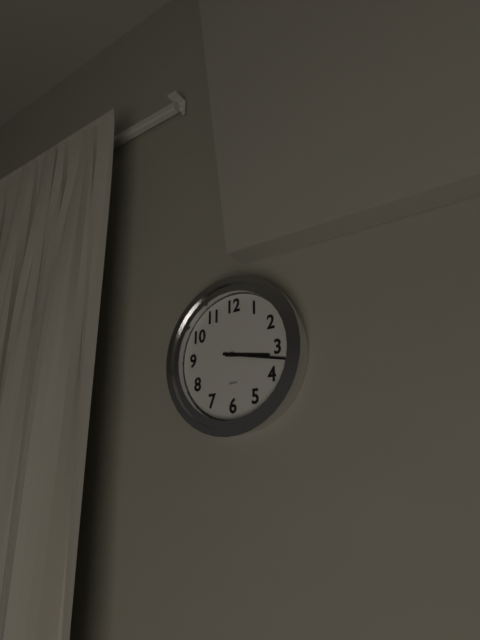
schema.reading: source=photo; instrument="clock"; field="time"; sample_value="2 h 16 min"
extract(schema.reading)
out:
3 h 17 min
